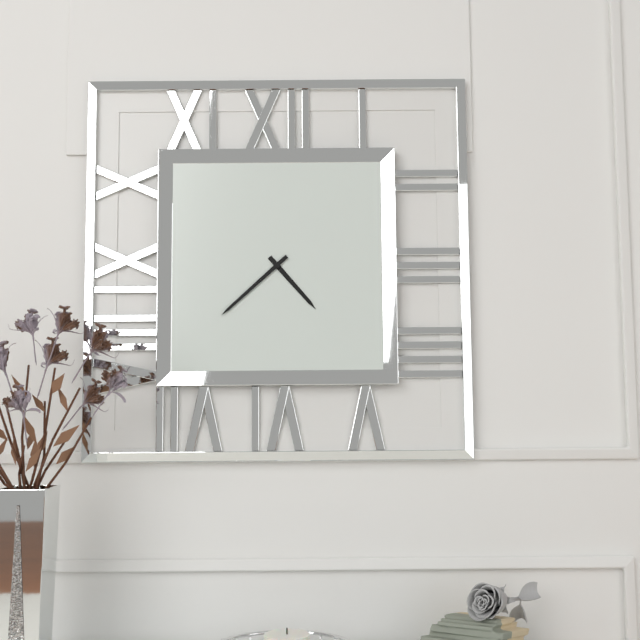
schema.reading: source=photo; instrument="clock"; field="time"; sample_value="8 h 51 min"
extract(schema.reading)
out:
4 h 38 min
